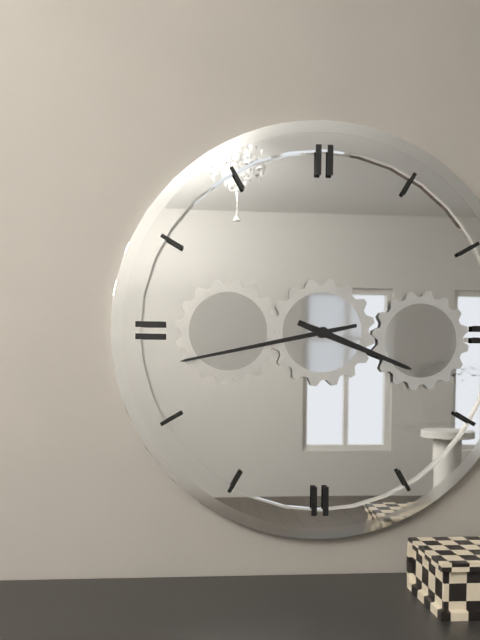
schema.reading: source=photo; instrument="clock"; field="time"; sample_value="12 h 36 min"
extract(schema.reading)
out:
3 h 43 min
